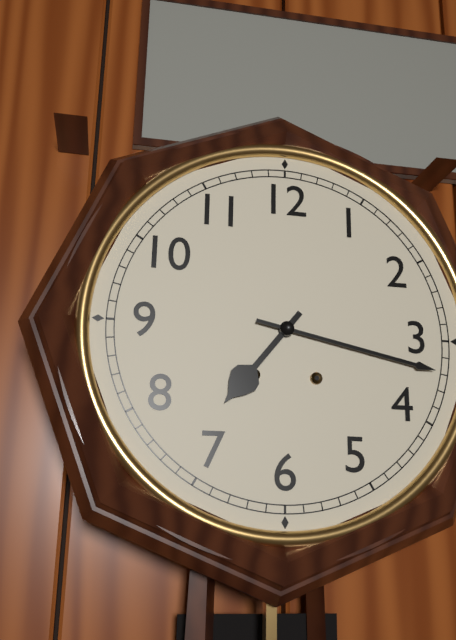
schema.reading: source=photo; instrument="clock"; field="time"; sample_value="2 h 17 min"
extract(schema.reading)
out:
7 h 17 min
